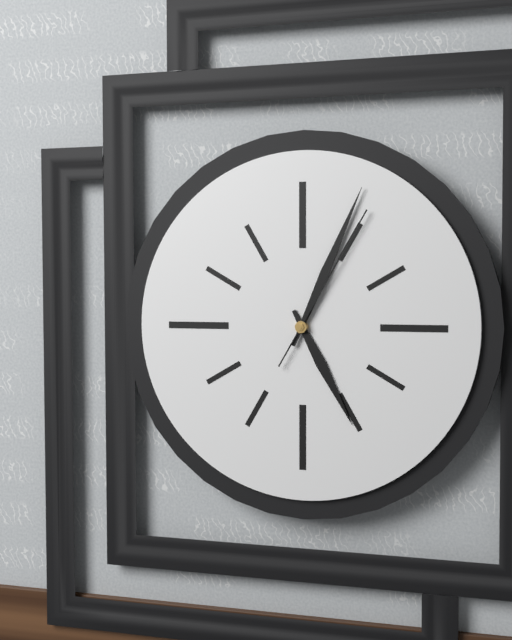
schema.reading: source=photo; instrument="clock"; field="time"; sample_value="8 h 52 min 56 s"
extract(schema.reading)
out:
5 h 04 min 05 s
